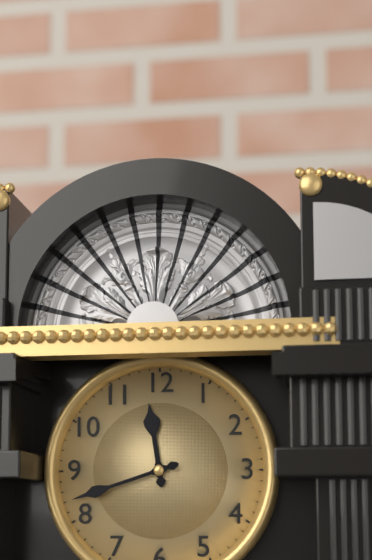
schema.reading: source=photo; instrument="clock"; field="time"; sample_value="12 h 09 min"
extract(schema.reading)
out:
11 h 42 min
